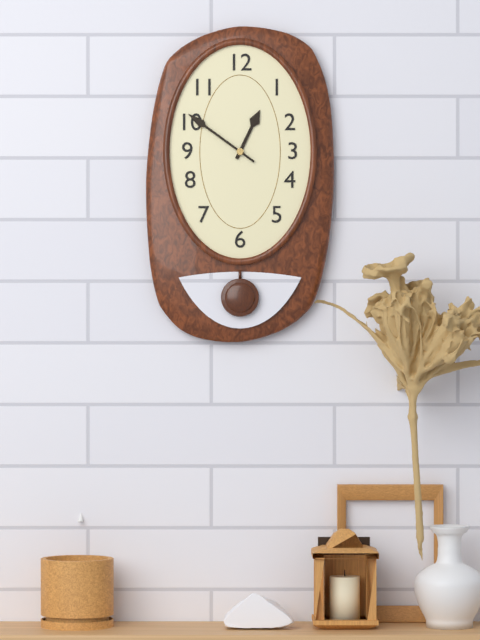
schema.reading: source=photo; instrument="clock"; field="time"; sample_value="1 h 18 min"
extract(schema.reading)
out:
12 h 51 min
